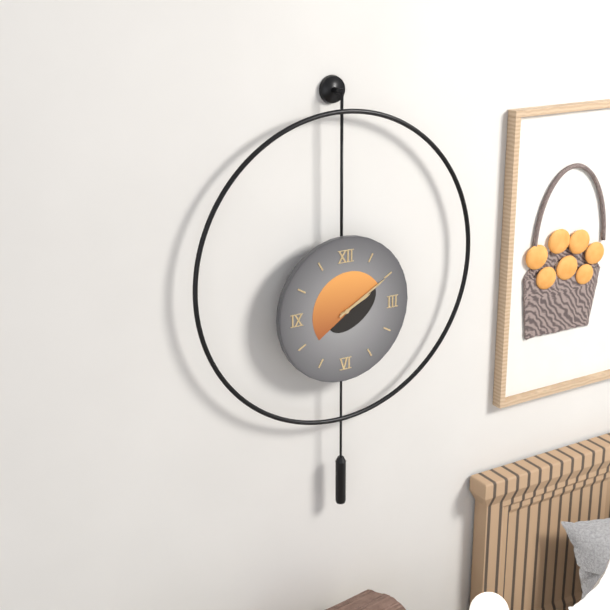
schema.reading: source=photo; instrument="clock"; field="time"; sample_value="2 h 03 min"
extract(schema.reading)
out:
2 h 10 min
